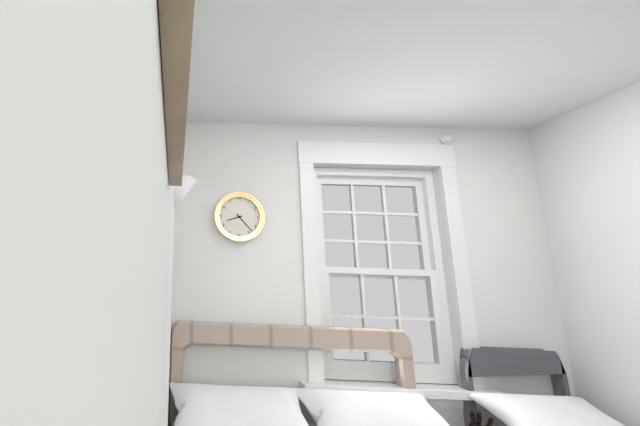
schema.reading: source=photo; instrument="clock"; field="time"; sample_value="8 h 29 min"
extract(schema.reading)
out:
8 h 23 min
